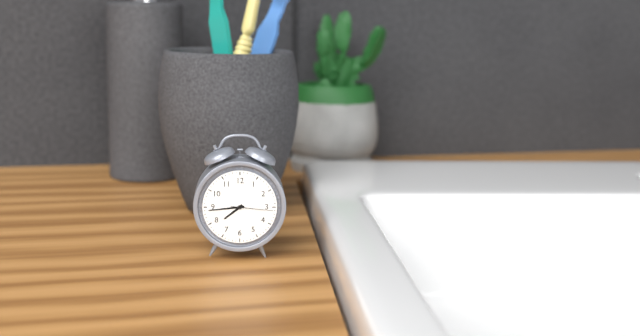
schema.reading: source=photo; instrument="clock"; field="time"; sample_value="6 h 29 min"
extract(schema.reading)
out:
7 h 44 min
